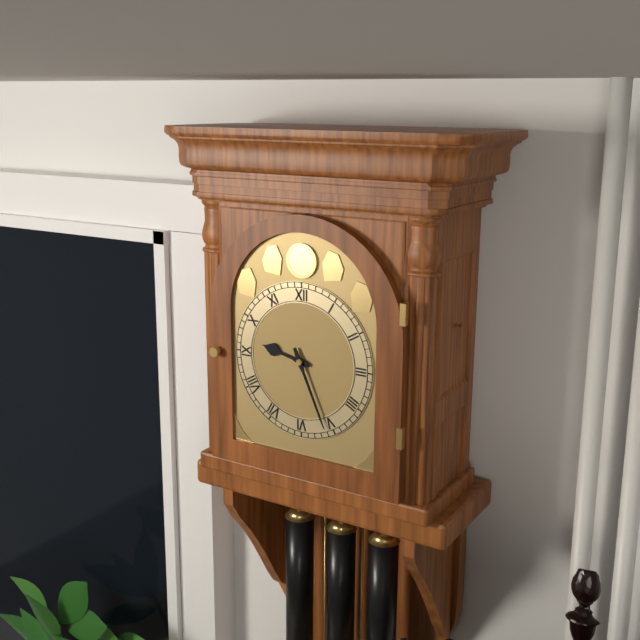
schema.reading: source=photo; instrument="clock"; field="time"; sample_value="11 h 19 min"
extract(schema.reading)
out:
9 h 26 min
